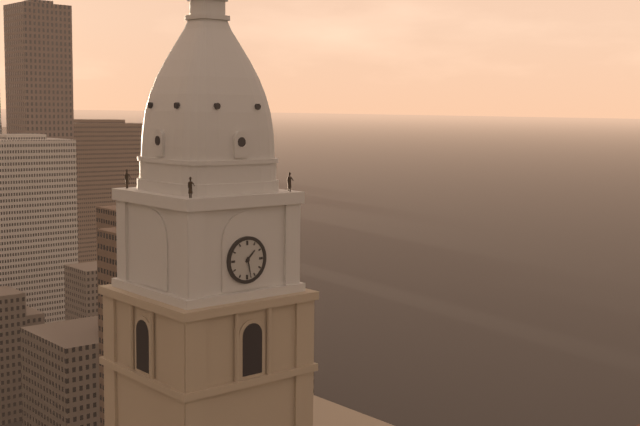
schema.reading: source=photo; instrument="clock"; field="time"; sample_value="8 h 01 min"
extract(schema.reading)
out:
1 h 28 min
